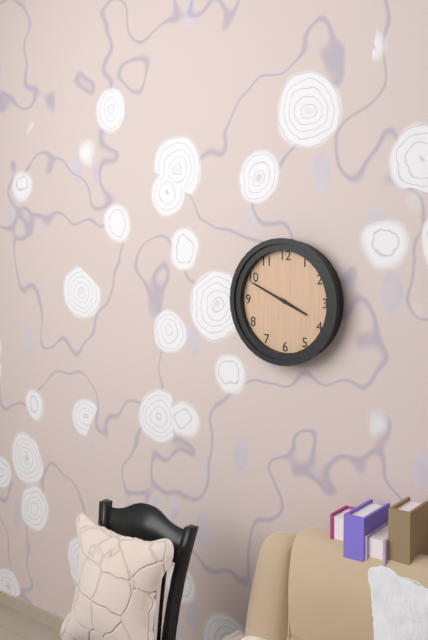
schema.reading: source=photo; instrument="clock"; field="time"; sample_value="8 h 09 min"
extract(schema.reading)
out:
3 h 49 min
